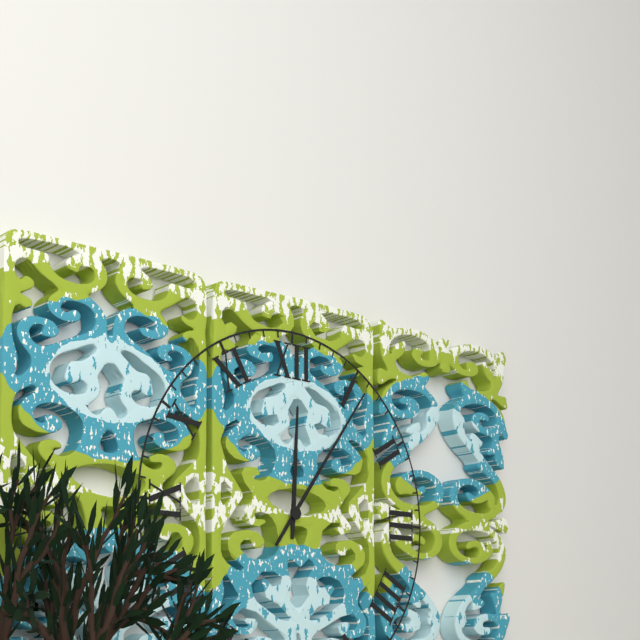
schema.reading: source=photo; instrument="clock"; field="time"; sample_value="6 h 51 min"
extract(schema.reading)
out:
12 h 06 min
